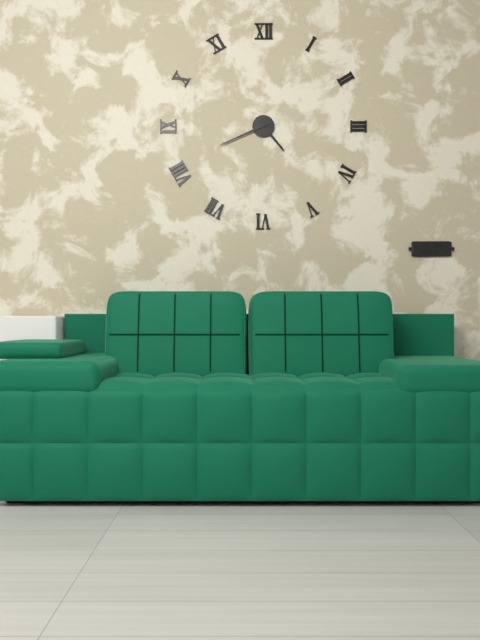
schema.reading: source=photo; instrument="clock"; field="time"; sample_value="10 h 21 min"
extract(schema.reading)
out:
4 h 41 min
